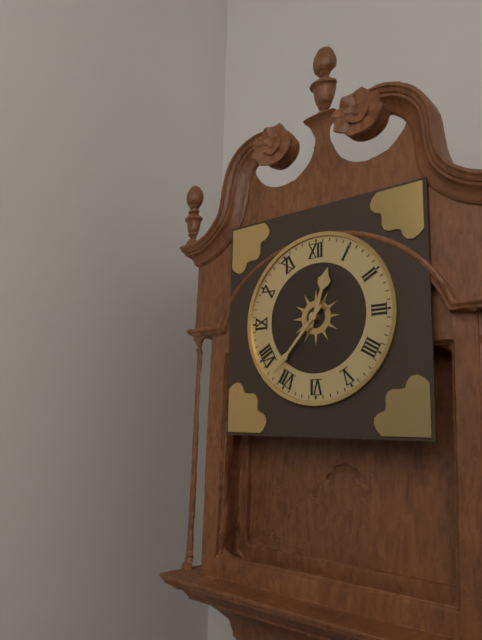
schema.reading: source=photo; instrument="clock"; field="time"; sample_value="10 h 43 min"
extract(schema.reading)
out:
12 h 37 min
